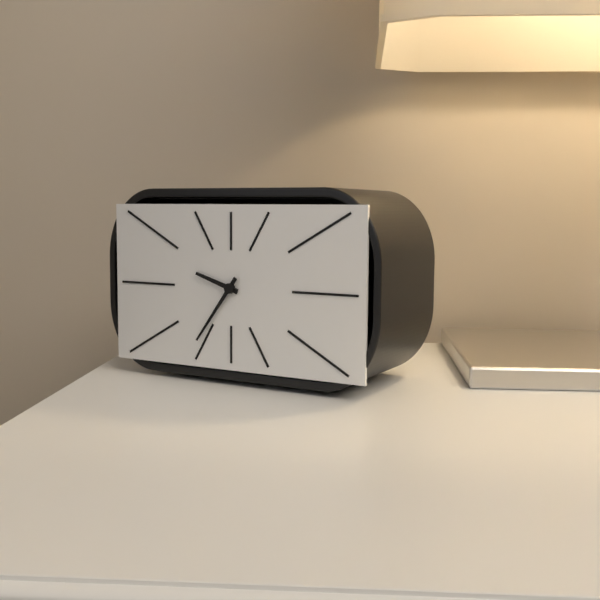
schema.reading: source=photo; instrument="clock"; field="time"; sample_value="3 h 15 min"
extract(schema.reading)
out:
9 h 36 min
